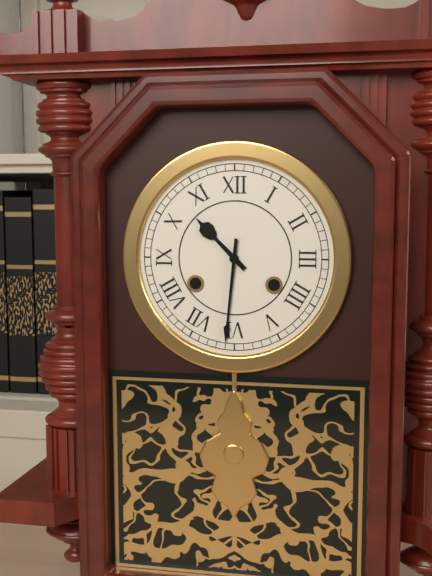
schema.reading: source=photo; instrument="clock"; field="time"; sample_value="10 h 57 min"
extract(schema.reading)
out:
10 h 31 min
